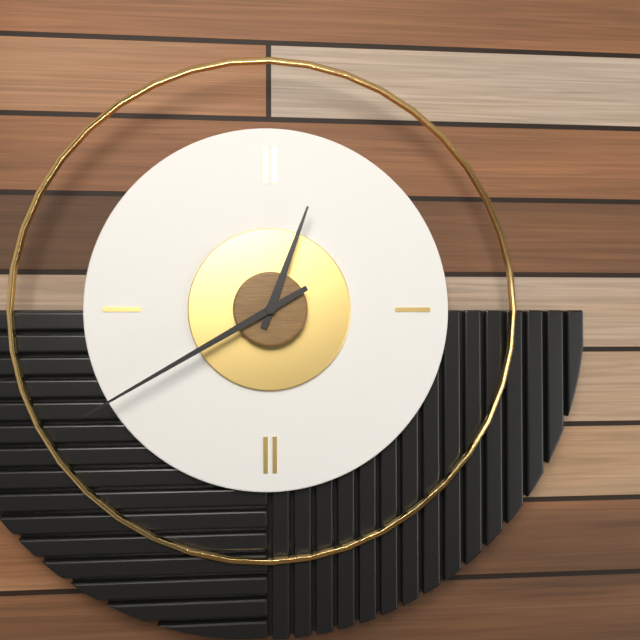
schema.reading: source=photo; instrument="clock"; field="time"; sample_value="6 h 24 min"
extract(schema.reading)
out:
12 h 40 min
